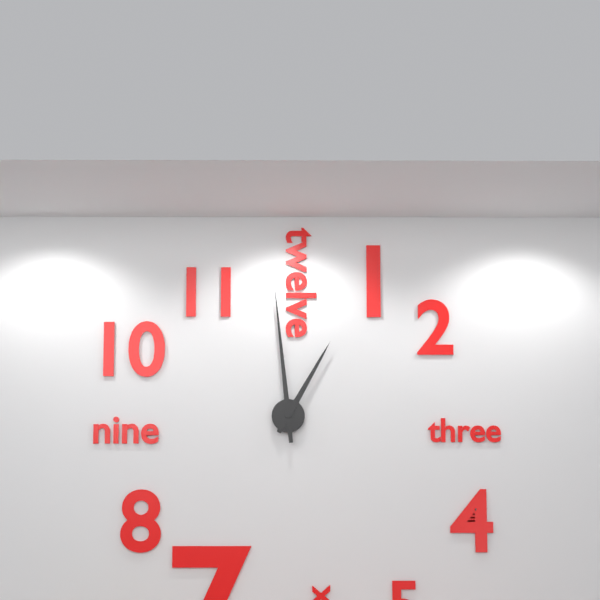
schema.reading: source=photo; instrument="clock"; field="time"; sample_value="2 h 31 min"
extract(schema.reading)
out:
12 h 59 min
